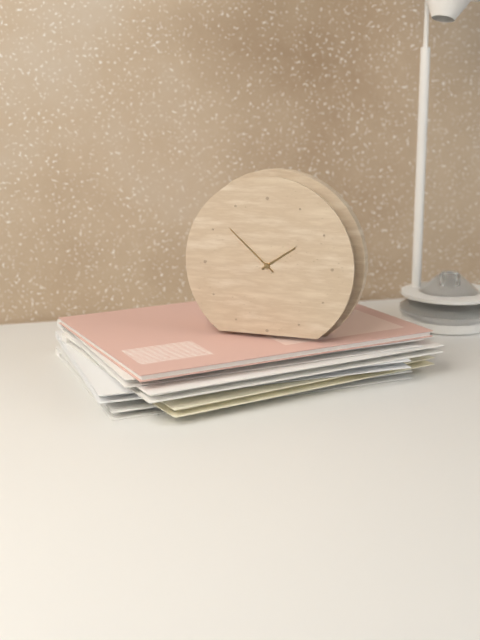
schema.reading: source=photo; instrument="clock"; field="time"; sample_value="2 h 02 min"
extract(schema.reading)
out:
1 h 52 min
